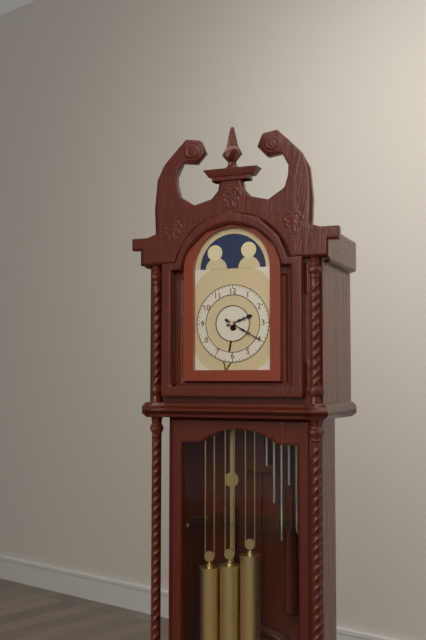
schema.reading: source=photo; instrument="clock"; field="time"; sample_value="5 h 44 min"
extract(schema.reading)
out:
2 h 20 min
